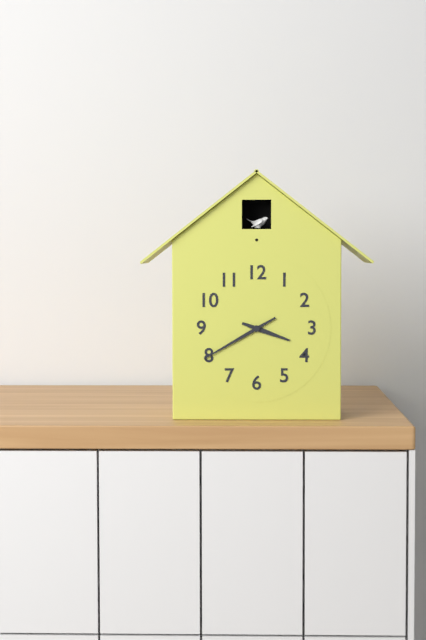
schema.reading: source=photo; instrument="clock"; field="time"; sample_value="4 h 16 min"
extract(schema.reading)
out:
3 h 40 min
